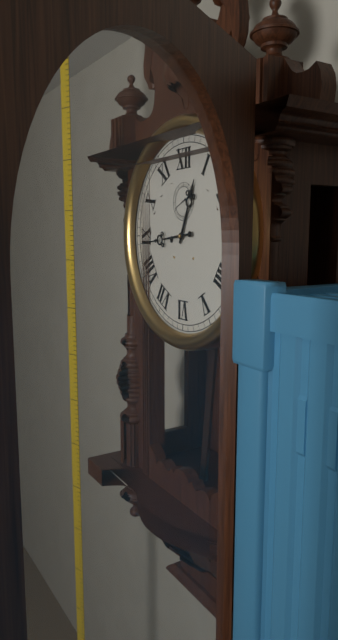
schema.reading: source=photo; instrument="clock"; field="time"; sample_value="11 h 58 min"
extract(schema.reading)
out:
12 h 44 min
